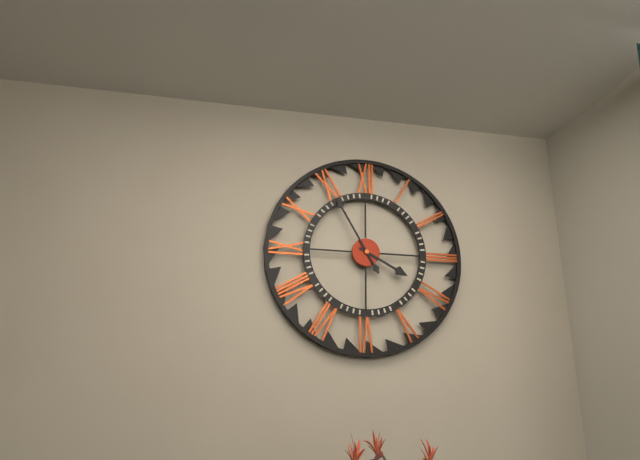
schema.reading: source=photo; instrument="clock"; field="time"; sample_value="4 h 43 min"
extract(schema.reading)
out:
3 h 55 min
